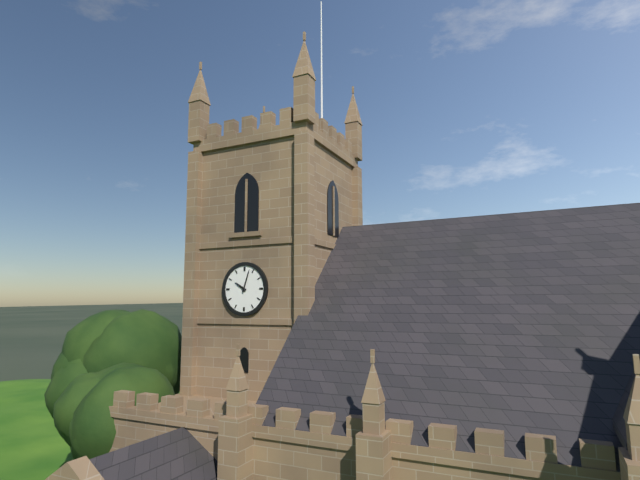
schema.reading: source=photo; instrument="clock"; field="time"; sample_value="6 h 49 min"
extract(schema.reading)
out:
10 h 03 min
